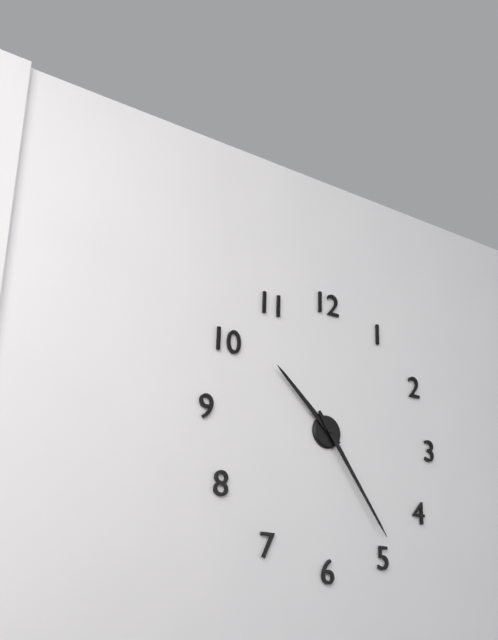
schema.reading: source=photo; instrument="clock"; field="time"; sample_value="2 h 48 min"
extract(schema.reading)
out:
10 h 24 min
